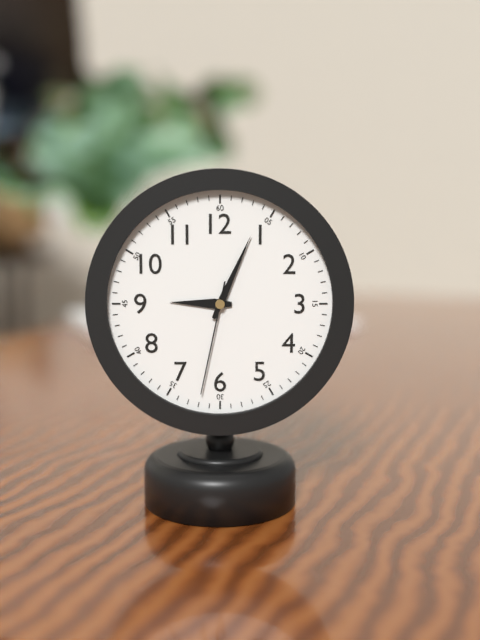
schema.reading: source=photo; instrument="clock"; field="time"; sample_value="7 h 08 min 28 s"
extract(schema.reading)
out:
9 h 04 min 32 s
